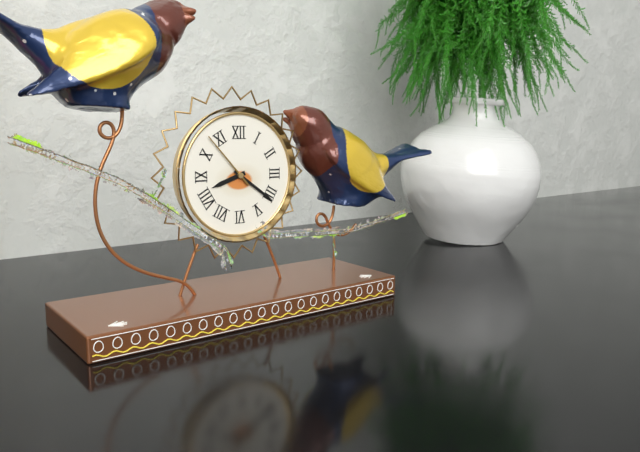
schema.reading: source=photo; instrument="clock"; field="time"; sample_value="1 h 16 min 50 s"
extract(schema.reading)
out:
8 h 21 min 53 s
